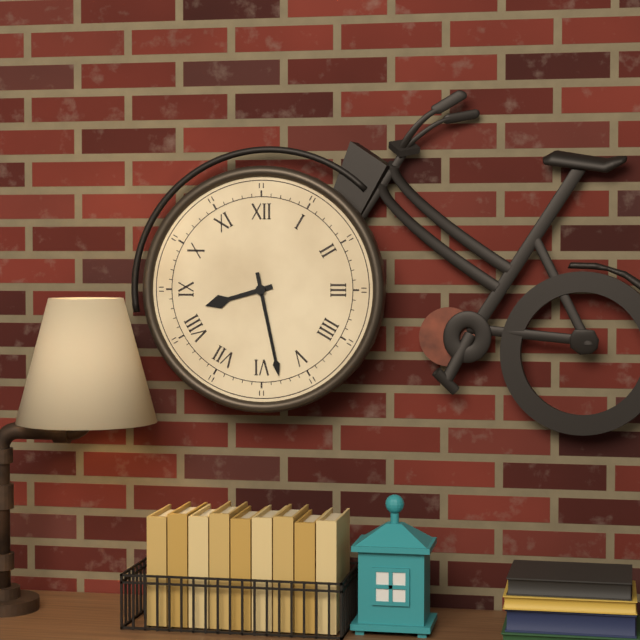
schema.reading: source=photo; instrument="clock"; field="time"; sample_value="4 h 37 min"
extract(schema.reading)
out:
8 h 28 min
